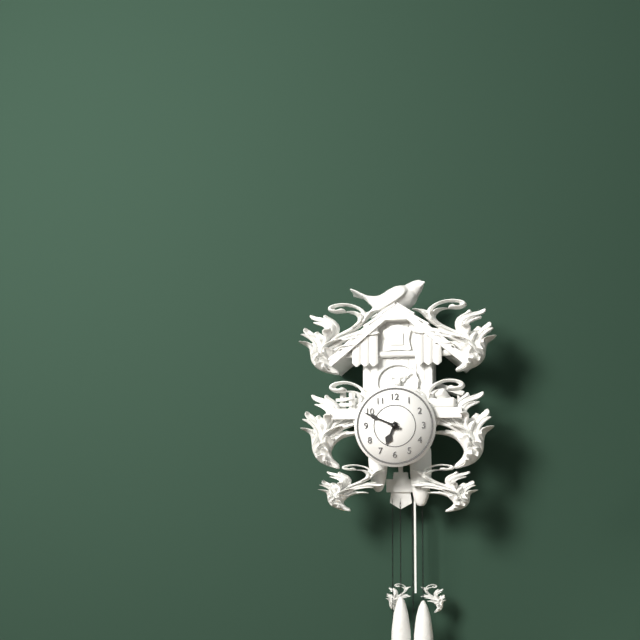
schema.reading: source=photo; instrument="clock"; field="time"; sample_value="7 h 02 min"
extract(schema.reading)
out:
6 h 49 min
